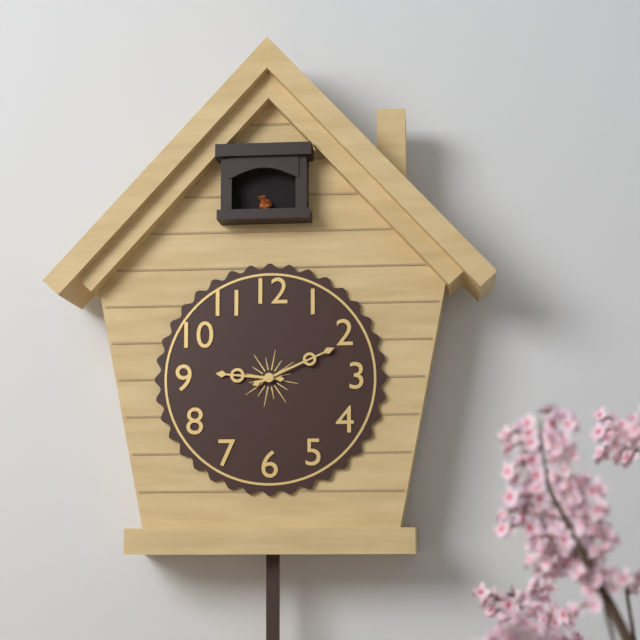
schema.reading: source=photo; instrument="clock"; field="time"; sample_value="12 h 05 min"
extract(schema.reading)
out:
9 h 11 min
